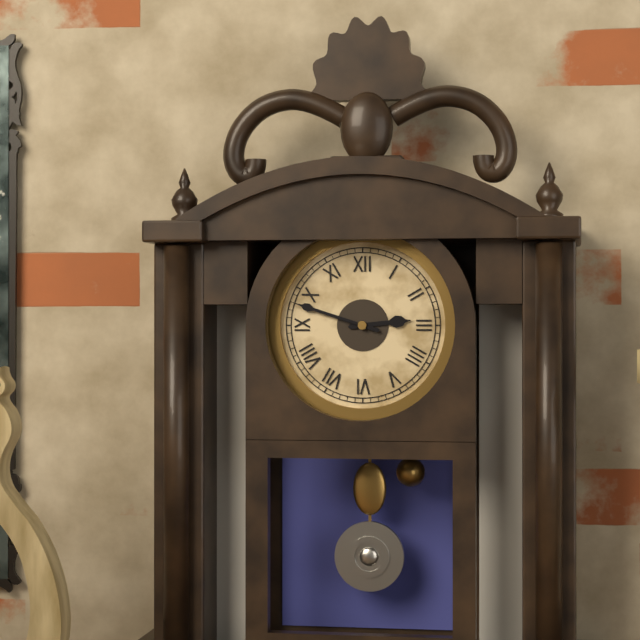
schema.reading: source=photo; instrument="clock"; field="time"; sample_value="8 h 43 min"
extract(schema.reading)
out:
2 h 48 min
